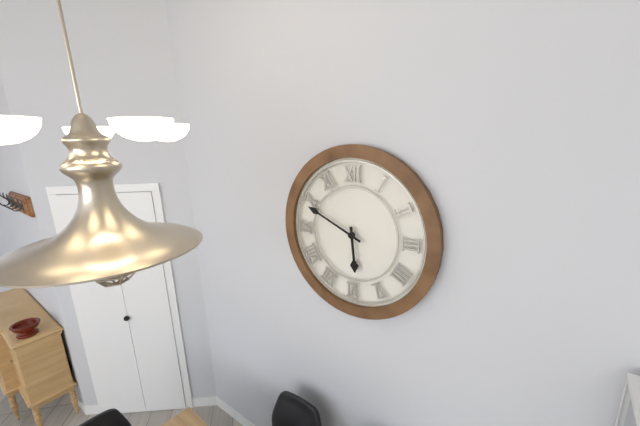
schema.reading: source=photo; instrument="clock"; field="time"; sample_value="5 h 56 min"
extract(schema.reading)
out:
5 h 49 min
